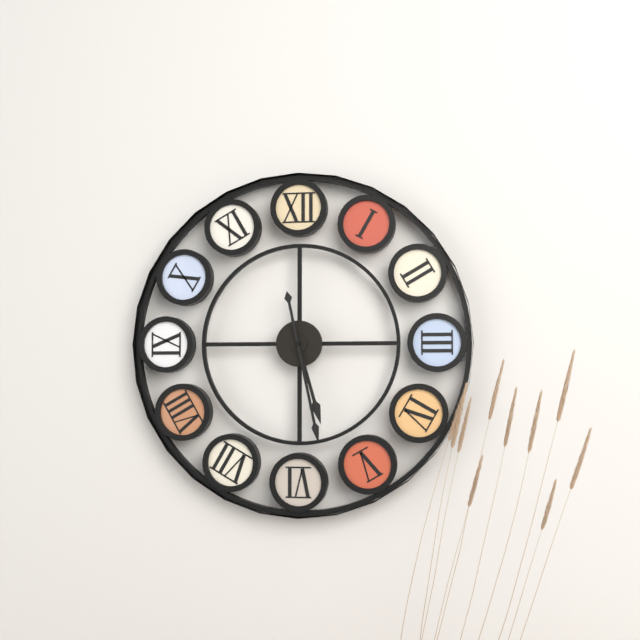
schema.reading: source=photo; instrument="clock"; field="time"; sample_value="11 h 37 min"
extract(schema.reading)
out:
5 h 28 min
